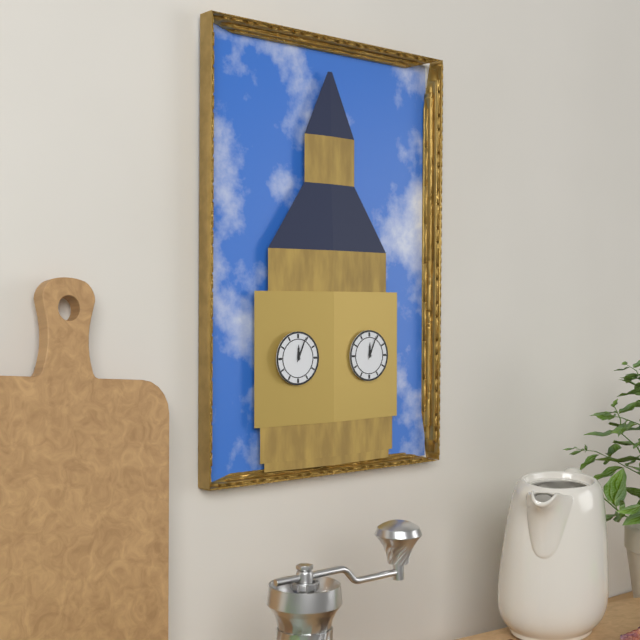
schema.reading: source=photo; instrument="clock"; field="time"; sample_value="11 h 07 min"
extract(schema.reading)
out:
12 h 04 min
